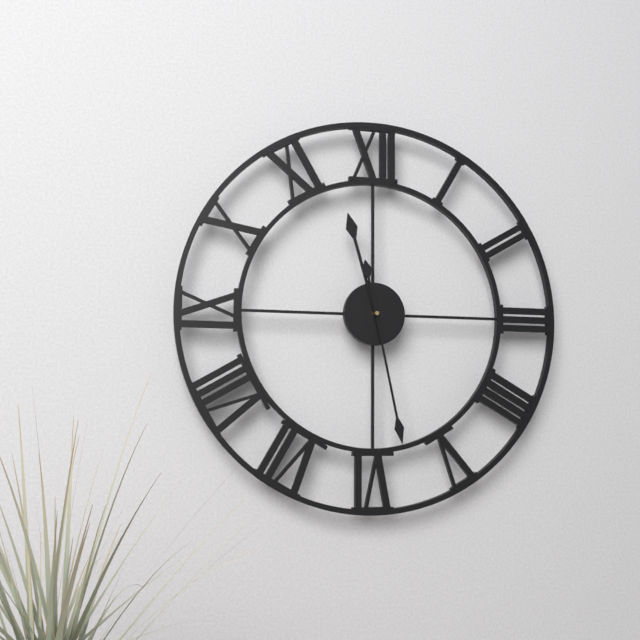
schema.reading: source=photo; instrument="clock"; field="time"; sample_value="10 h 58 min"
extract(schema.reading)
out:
11 h 28 min
